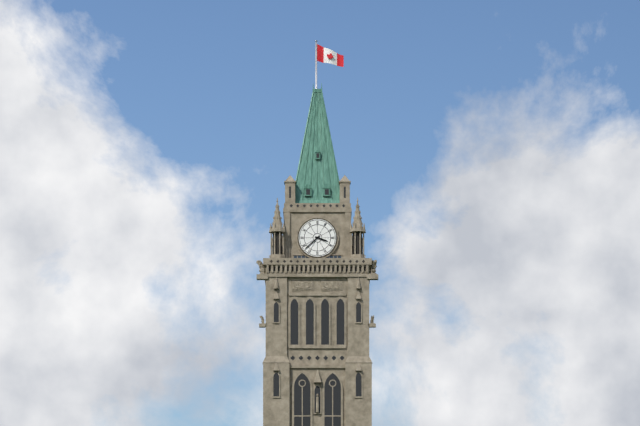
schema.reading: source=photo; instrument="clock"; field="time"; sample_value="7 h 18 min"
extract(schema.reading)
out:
3 h 38 min
